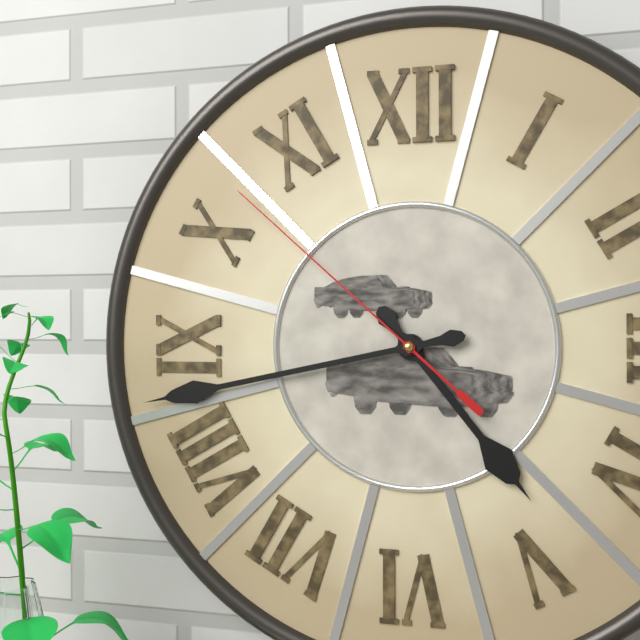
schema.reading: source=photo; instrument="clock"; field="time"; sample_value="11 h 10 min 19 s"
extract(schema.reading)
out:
4 h 43 min 52 s
